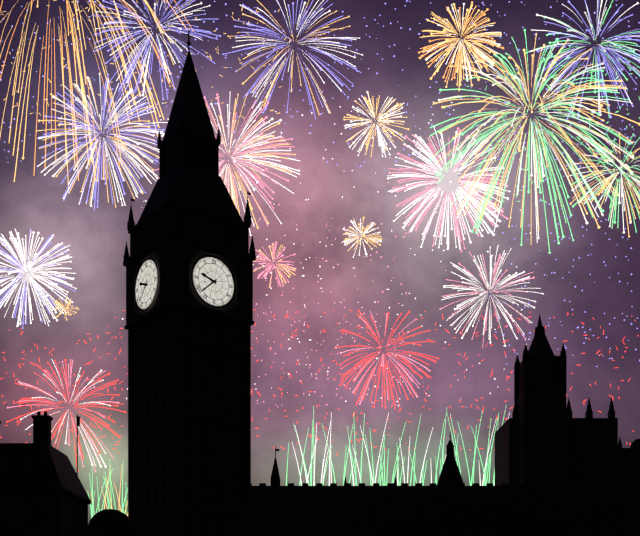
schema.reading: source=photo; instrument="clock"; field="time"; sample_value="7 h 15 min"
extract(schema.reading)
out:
9 h 38 min
